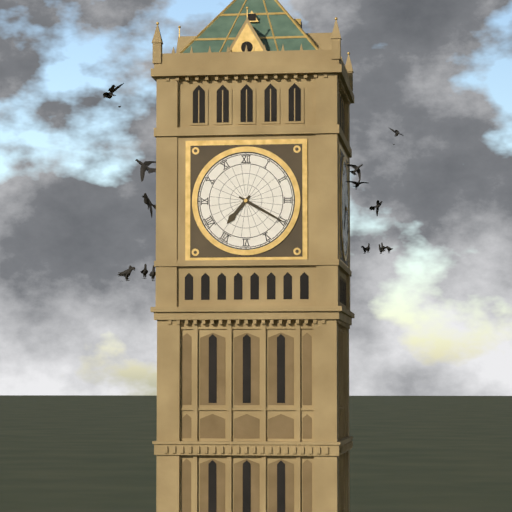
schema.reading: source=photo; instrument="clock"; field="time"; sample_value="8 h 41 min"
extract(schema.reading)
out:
7 h 20 min
